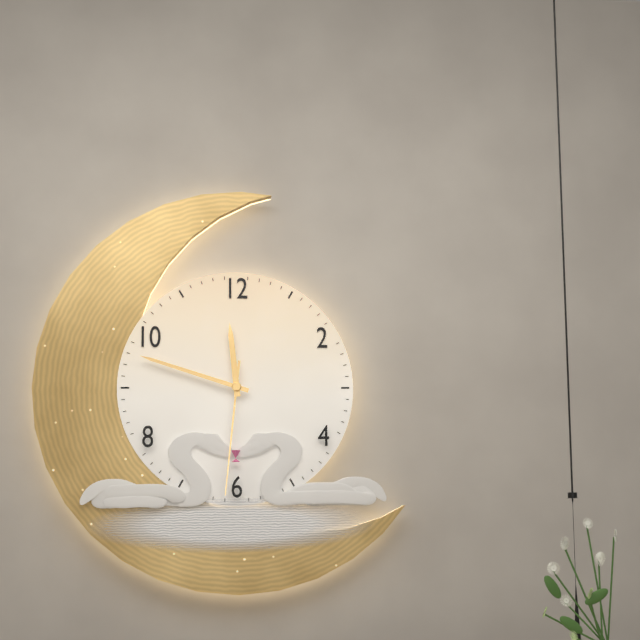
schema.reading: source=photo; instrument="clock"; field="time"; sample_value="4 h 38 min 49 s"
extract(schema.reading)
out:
11 h 48 min 31 s
